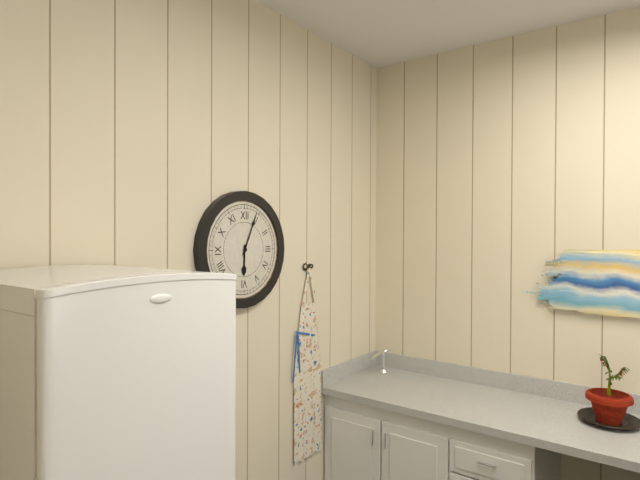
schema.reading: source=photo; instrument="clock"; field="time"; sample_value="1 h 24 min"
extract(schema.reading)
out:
6 h 04 min
